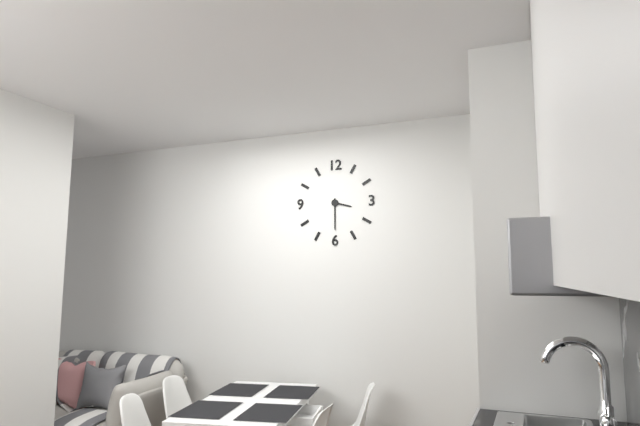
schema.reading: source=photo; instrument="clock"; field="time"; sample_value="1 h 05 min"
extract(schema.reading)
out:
3 h 30 min
